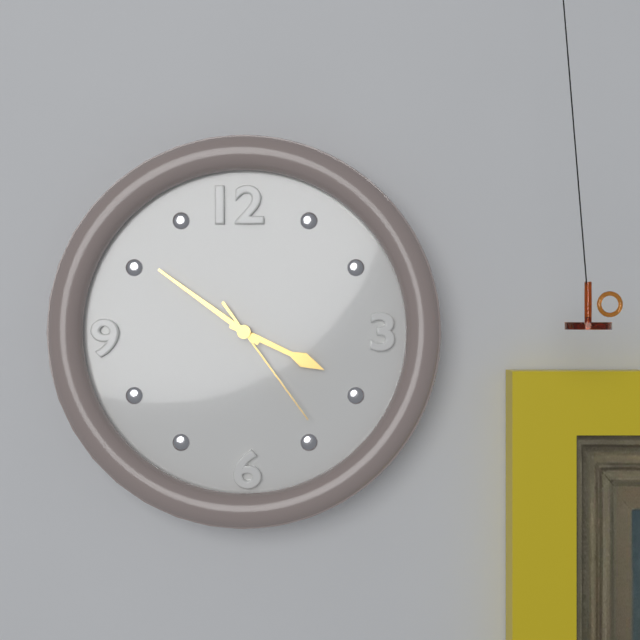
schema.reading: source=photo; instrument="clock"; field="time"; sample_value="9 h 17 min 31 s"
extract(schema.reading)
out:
3 h 51 min 24 s
